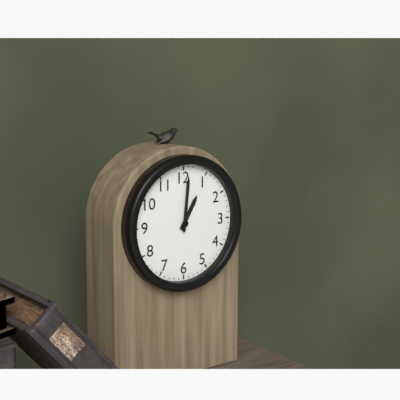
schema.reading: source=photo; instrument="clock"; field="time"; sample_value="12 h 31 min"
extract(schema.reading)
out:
1 h 01 min
